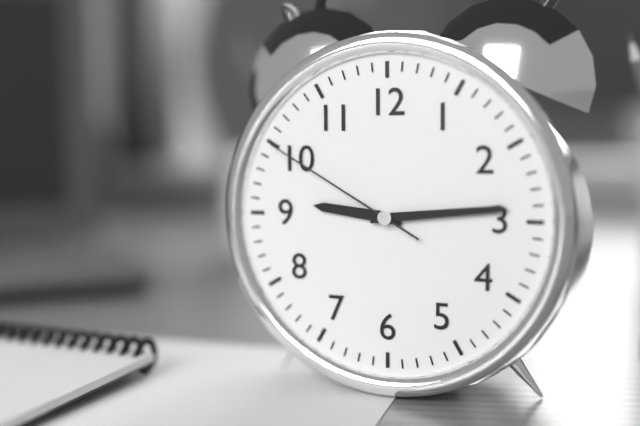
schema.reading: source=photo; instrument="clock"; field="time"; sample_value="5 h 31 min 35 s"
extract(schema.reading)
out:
9 h 14 min 50 s
